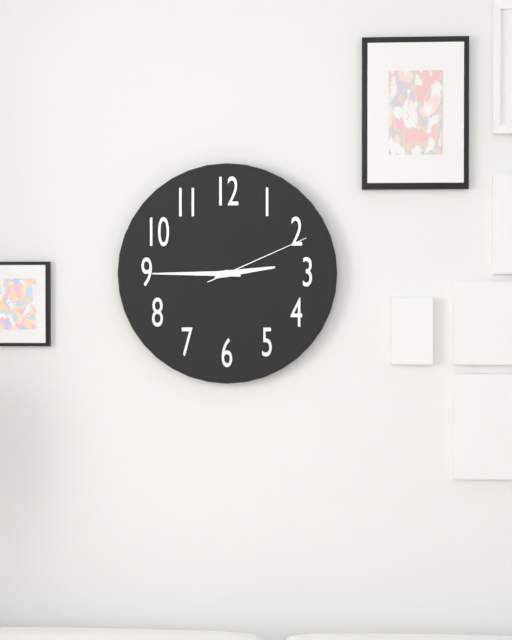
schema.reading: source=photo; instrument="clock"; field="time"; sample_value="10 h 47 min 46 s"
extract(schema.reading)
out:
2 h 45 min 11 s
